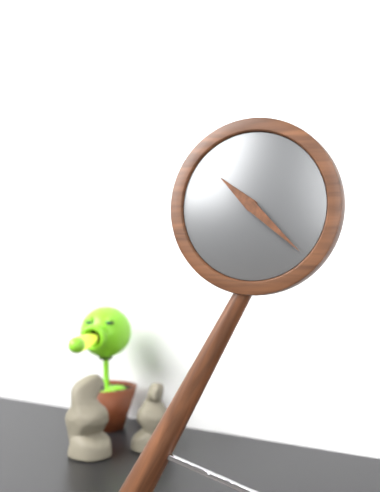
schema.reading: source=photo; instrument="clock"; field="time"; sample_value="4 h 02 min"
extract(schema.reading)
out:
10 h 22 min
